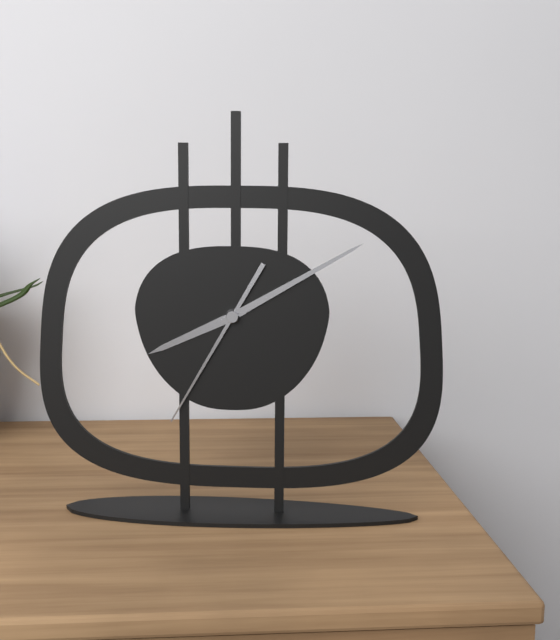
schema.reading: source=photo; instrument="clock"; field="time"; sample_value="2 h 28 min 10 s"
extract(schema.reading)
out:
8 h 10 min 35 s
